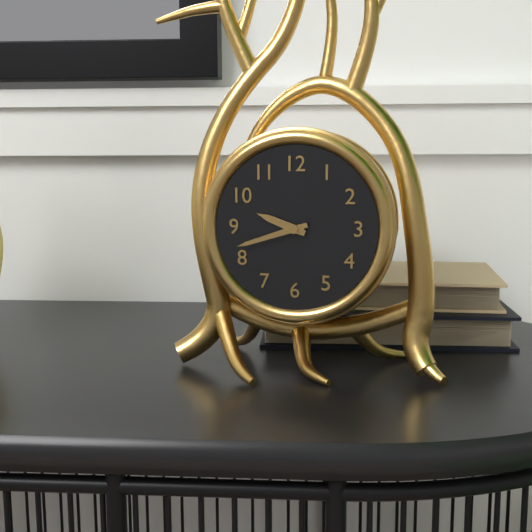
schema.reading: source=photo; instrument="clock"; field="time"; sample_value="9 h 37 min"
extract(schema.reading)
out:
9 h 42 min
